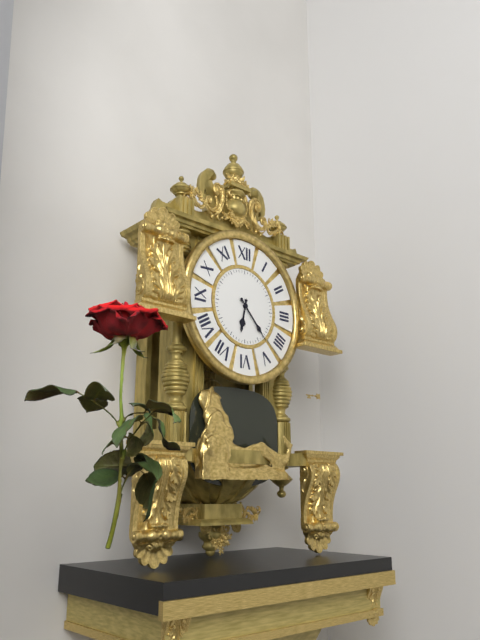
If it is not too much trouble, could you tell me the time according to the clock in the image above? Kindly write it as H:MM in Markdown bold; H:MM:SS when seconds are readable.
**6:23**
